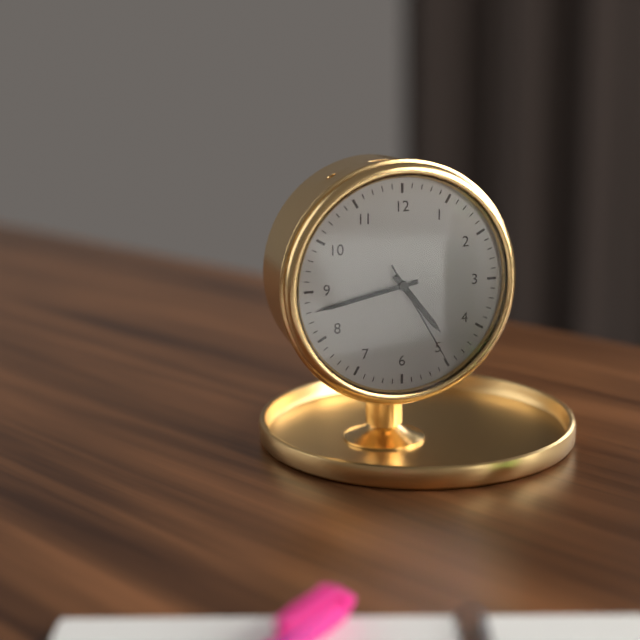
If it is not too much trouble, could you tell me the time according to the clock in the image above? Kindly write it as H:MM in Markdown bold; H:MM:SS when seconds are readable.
**4:43:25**
